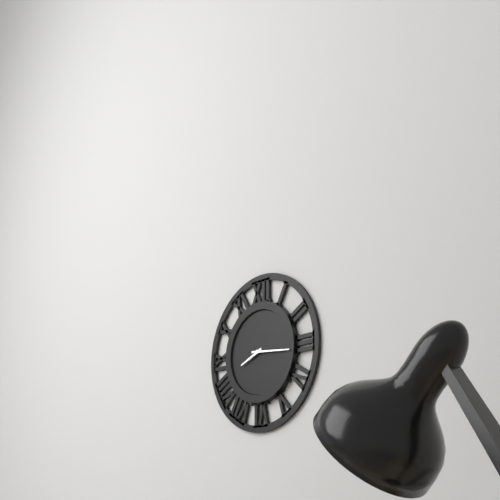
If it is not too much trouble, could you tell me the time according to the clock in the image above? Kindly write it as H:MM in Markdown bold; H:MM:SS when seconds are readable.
**8:16**
